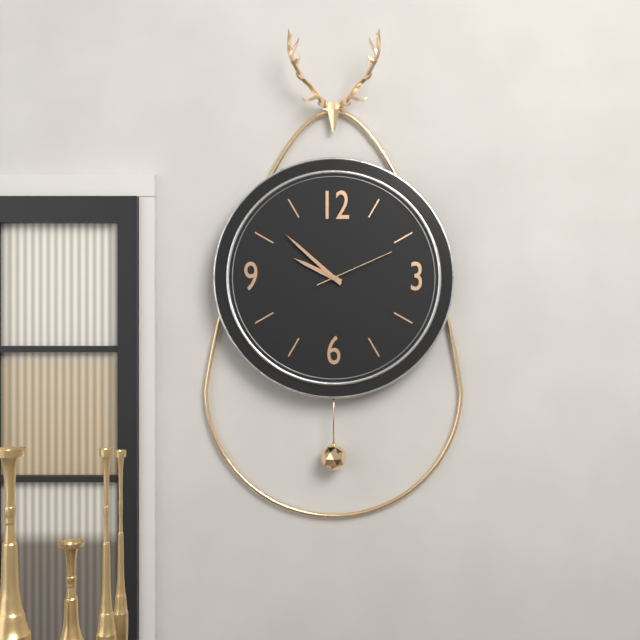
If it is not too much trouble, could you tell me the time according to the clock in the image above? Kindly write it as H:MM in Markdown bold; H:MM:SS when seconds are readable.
**9:52:11**
